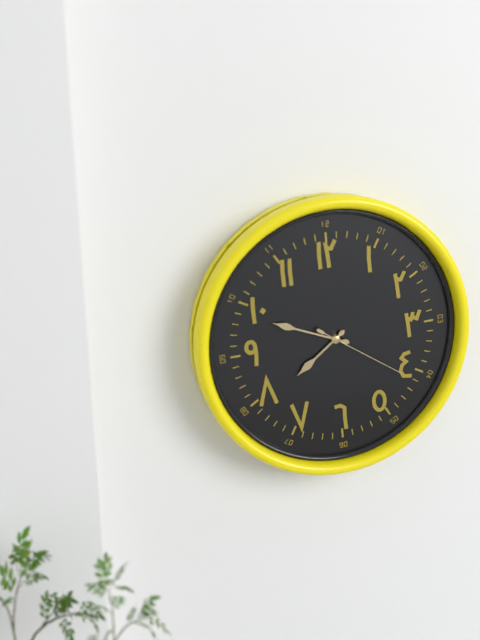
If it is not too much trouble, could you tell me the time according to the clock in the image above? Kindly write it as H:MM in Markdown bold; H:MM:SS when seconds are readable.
**7:49:21**
